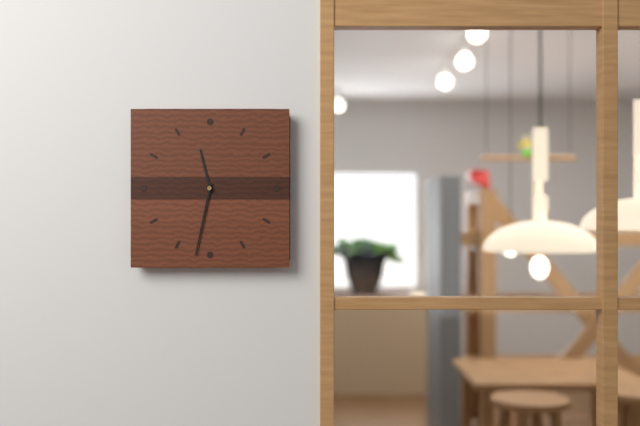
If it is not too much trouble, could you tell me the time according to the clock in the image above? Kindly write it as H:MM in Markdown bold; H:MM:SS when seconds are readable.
**11:32**
